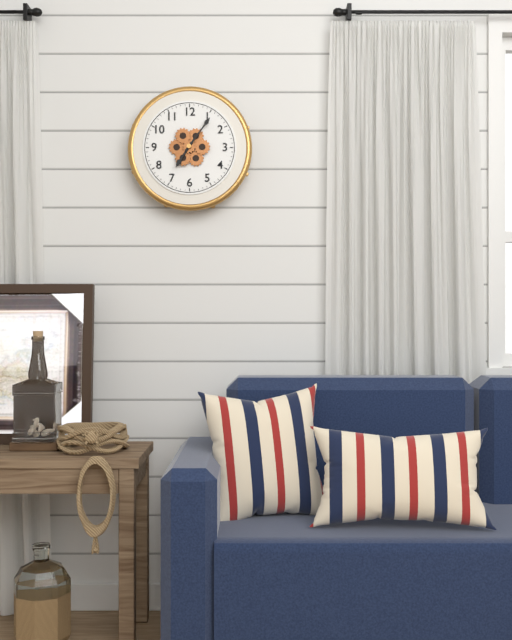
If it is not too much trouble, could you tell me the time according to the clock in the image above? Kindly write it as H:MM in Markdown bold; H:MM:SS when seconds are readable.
**7:06**
